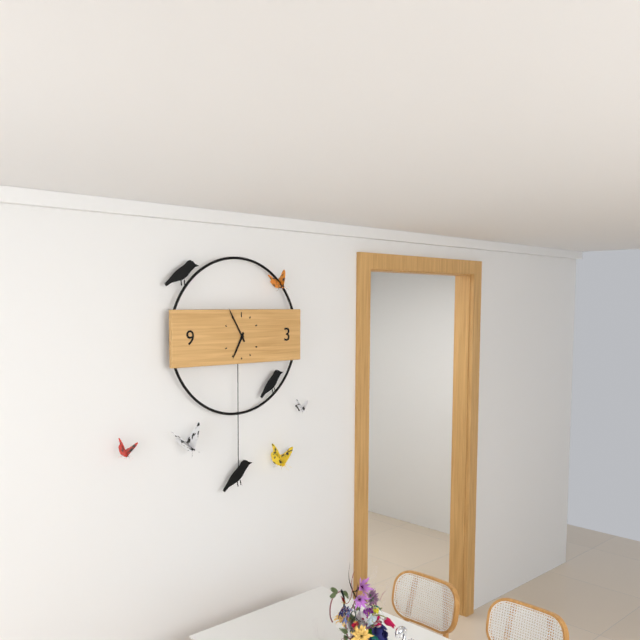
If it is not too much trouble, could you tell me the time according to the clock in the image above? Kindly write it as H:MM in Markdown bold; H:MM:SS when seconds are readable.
**6:55**
